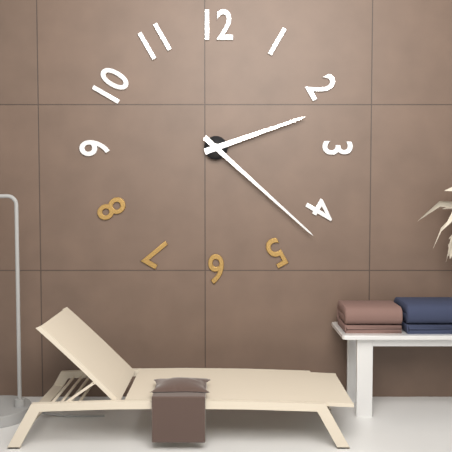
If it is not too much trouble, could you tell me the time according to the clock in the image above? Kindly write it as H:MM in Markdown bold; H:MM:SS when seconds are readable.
**2:22**
